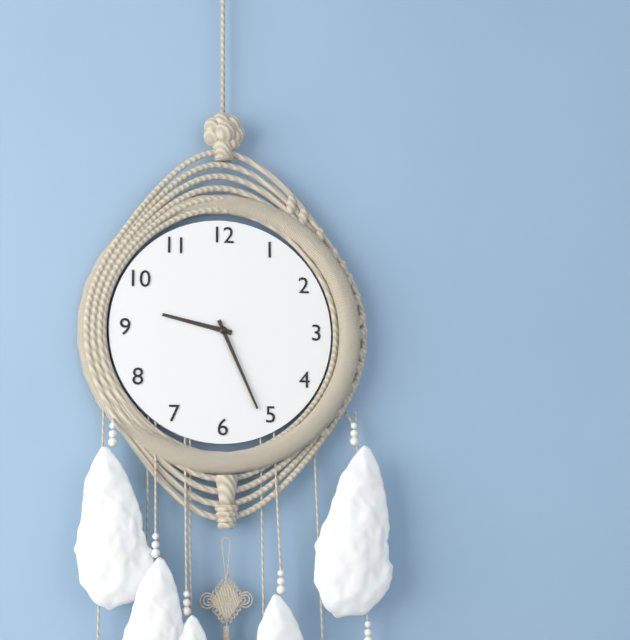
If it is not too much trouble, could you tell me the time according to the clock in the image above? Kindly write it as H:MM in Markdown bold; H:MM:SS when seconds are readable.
**9:26**
